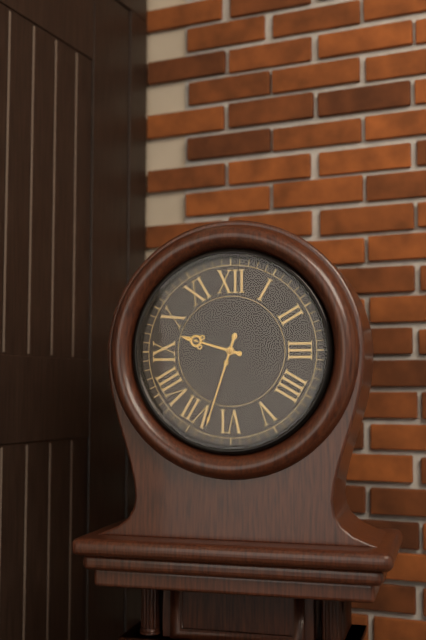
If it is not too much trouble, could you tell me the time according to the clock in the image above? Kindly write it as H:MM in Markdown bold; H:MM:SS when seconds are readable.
**9:33**
